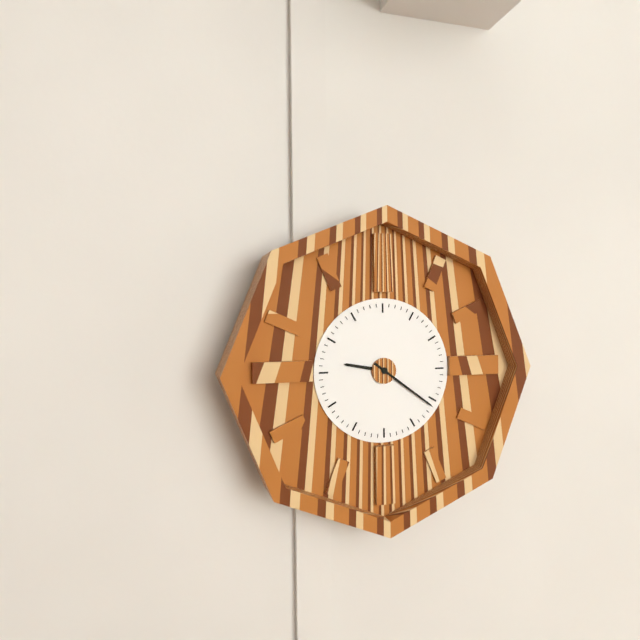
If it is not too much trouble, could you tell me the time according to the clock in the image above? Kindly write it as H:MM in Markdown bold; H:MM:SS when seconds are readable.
**9:21**
